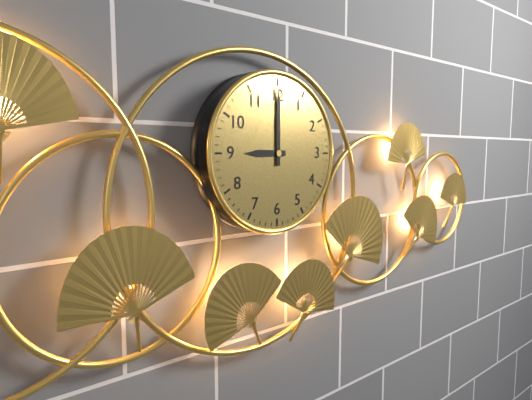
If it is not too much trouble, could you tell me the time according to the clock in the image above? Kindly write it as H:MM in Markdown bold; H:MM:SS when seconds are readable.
**9:00**
